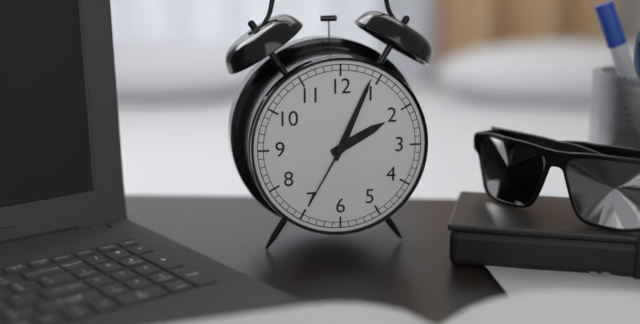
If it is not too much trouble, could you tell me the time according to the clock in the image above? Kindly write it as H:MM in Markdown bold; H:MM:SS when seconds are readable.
**2:04:35**
